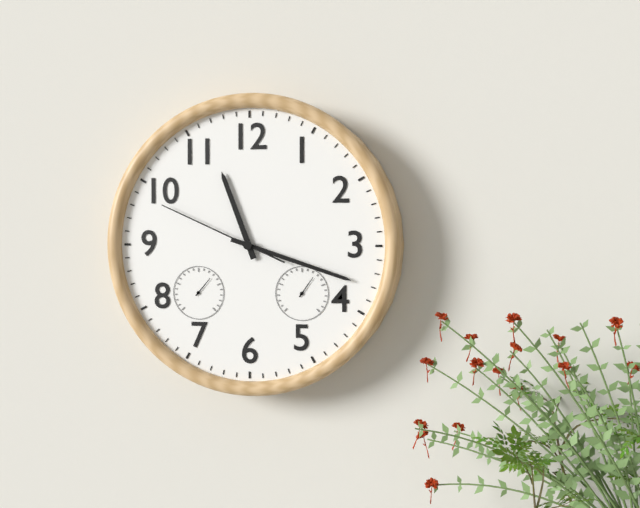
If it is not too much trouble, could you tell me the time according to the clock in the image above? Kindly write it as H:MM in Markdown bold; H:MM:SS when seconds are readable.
**11:18:49**
